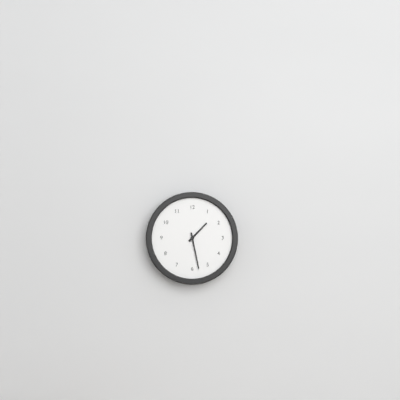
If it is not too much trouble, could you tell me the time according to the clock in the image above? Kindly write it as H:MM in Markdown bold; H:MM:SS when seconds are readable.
**1:28**
